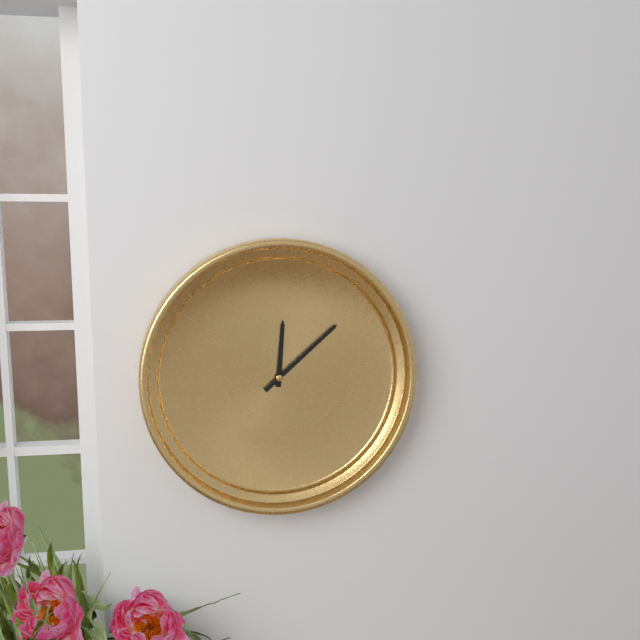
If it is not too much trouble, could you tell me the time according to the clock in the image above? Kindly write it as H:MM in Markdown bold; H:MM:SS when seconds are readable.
**12:08**
